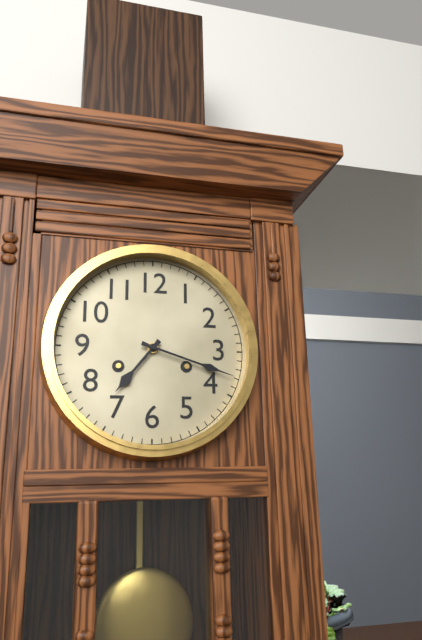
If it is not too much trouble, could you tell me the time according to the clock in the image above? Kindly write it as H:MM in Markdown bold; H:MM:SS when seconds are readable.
**7:18**
